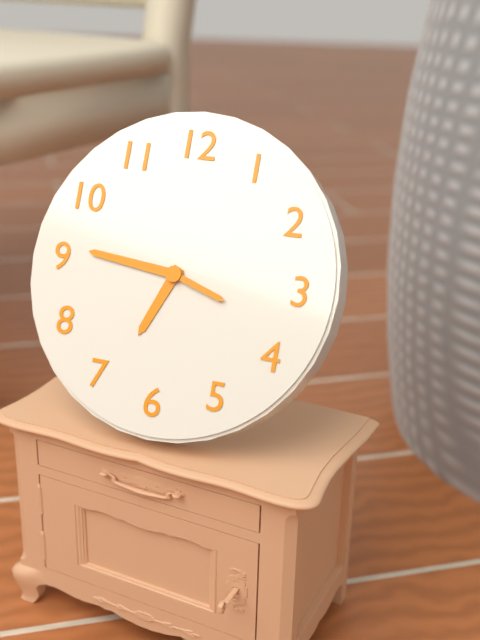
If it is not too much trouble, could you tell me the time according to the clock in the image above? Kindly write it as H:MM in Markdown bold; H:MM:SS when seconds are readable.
**6:46:18**
